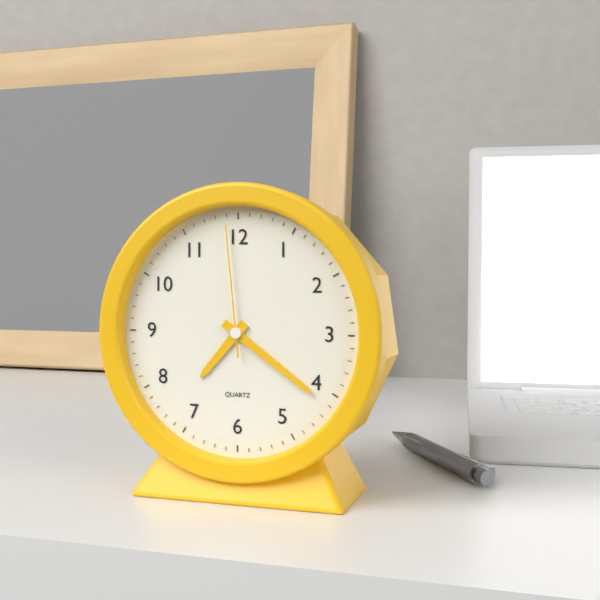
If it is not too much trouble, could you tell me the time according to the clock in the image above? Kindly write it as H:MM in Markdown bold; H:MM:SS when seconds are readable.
**7:21:59**
